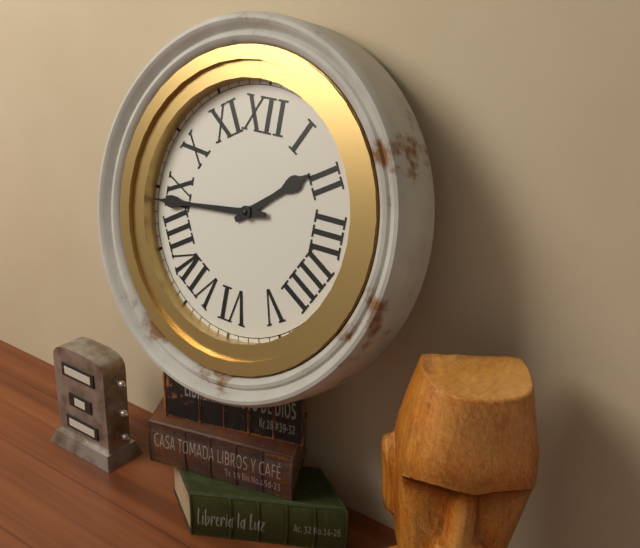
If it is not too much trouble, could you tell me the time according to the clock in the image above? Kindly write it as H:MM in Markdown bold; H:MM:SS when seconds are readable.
**1:44**
